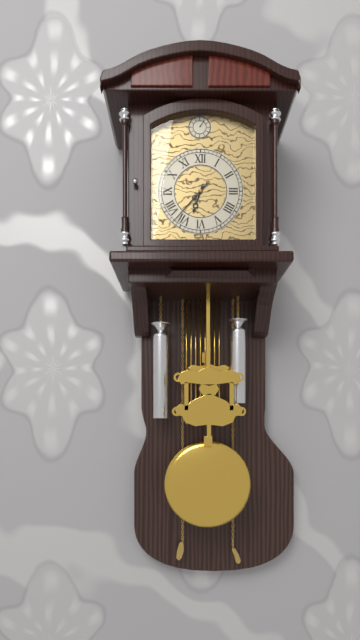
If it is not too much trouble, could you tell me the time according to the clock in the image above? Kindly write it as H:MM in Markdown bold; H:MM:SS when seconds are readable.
**6:37**
